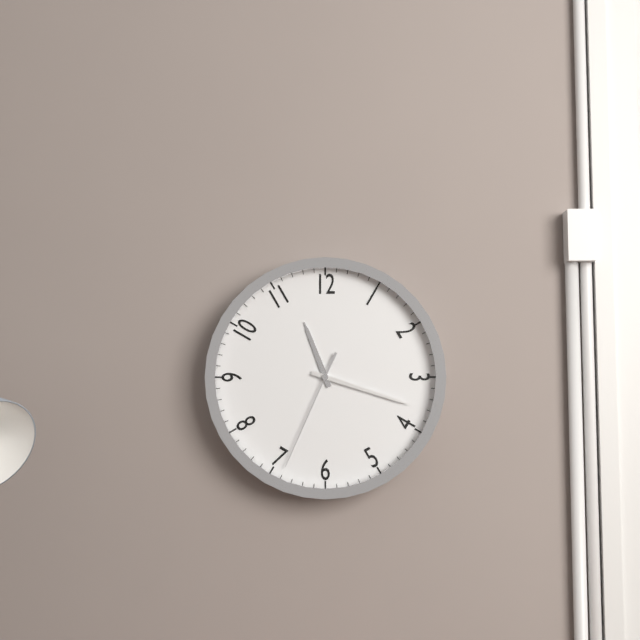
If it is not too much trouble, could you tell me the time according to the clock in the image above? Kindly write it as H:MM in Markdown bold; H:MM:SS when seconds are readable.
**11:18:34**
